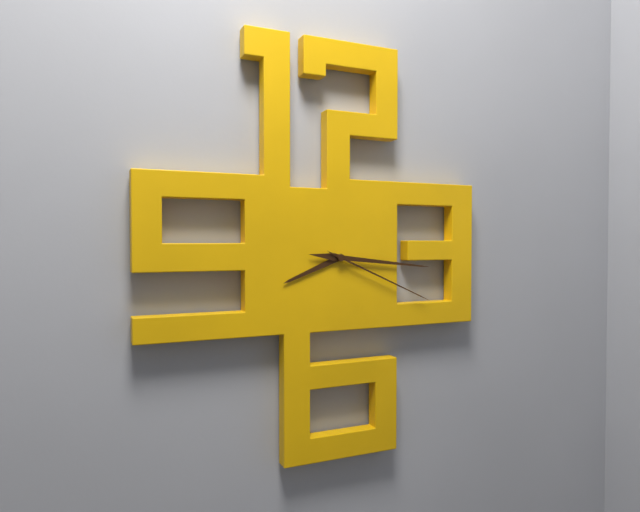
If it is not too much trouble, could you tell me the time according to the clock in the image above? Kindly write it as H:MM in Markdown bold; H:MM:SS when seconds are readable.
**8:16:19**
